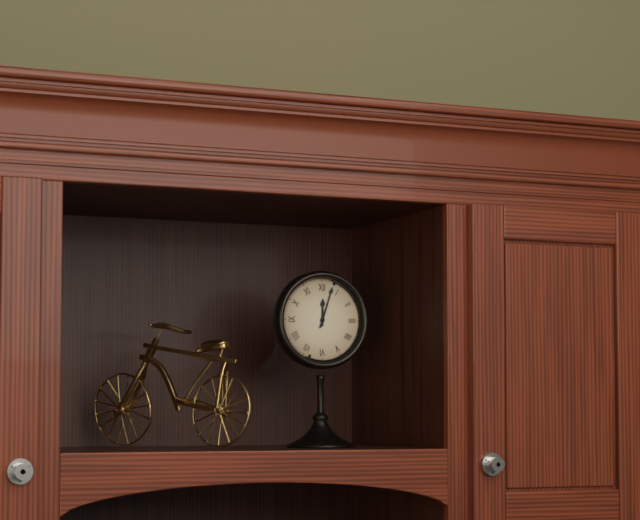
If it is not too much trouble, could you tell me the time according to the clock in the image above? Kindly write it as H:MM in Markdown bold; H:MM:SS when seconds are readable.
**12:03**
